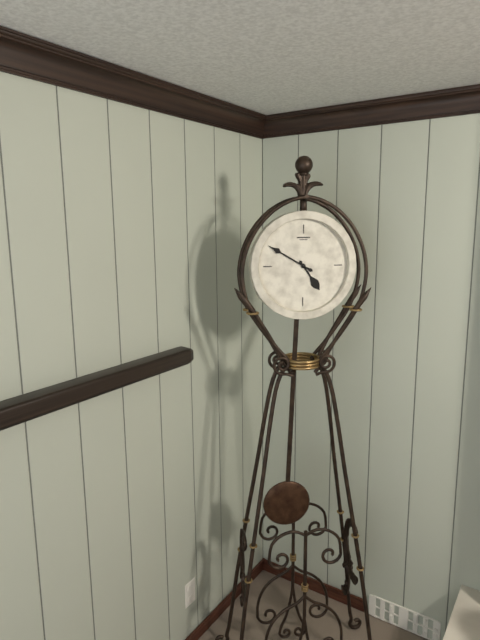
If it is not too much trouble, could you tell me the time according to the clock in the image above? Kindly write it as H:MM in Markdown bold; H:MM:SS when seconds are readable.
**4:50**
